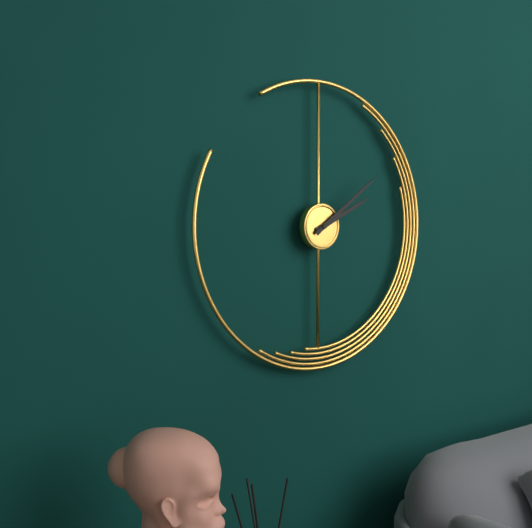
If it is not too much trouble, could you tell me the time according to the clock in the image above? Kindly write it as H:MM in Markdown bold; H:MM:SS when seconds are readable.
**2:09**
